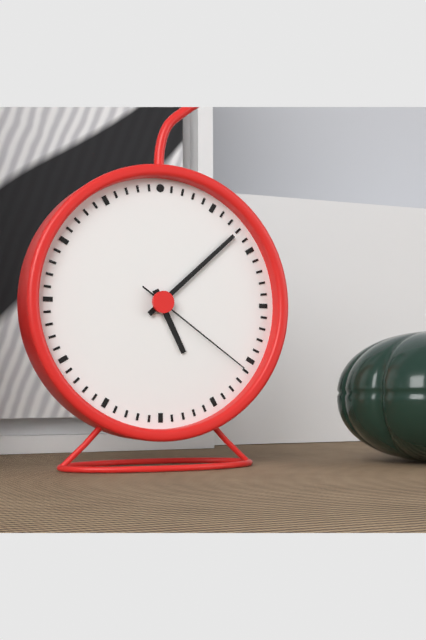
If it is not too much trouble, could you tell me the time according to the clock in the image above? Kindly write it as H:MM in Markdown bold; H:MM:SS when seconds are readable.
**5:08:21**
